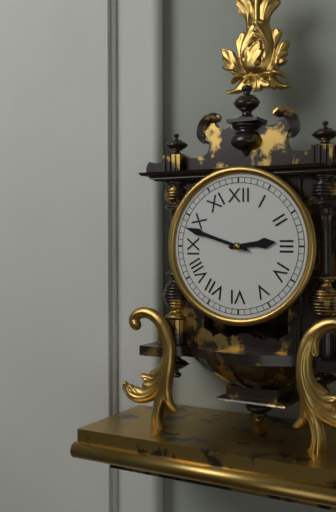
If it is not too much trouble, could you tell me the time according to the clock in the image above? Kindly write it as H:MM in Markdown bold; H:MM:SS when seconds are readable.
**2:48**
